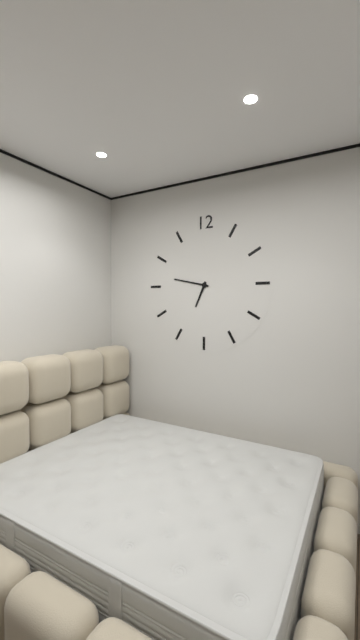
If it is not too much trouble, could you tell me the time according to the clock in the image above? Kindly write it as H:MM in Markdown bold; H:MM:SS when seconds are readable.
**6:47**
